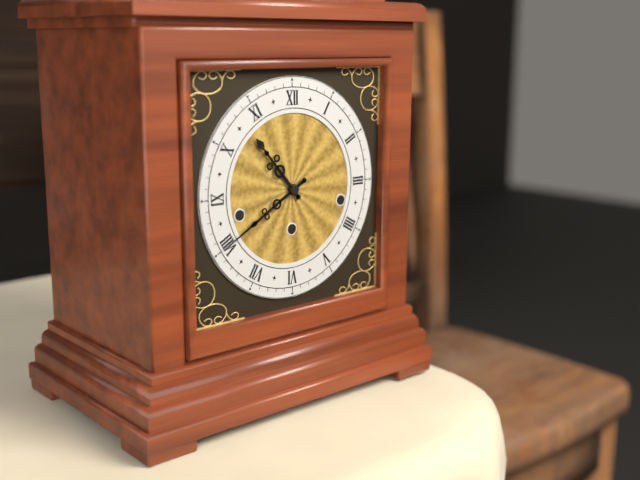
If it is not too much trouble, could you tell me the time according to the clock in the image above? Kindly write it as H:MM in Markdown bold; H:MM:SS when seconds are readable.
**10:40**
